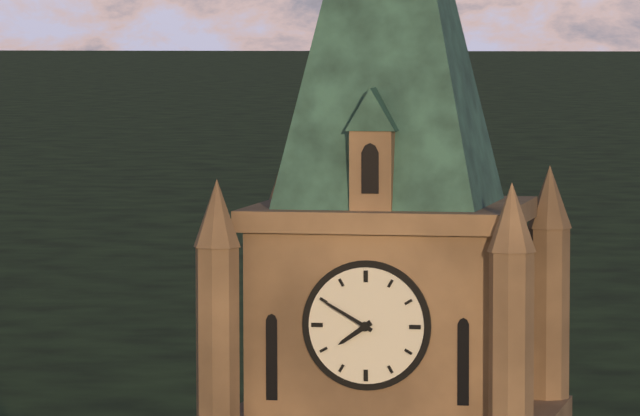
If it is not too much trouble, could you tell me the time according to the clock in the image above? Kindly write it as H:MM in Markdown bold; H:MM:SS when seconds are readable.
**7:50**
